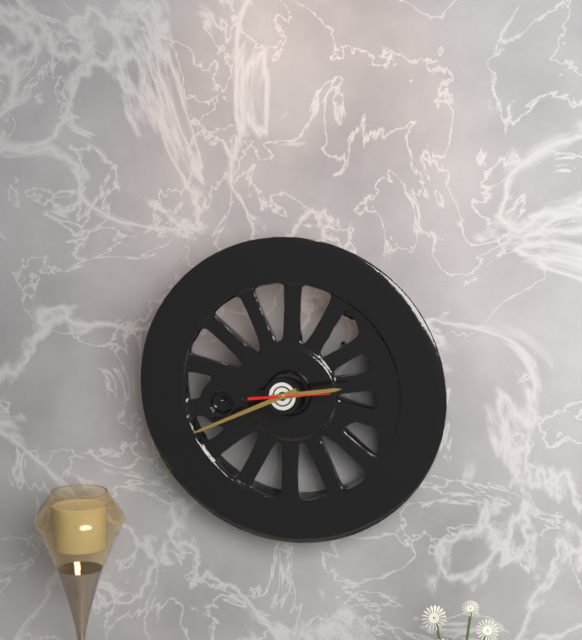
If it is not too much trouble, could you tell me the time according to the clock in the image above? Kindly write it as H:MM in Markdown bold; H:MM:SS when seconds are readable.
**2:41:14**
